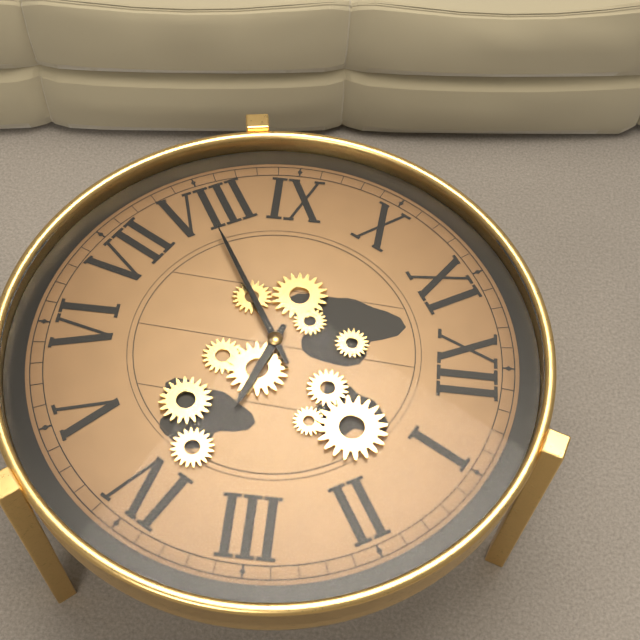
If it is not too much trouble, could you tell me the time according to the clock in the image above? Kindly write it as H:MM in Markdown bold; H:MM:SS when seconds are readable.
**3:40**
